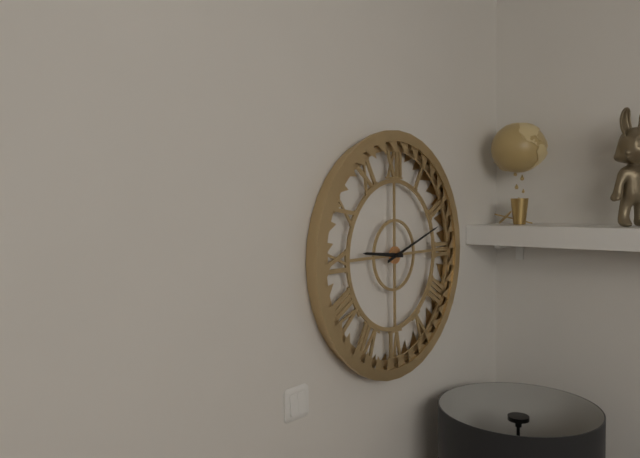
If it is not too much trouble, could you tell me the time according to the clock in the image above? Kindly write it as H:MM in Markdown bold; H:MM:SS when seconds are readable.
**9:12**
